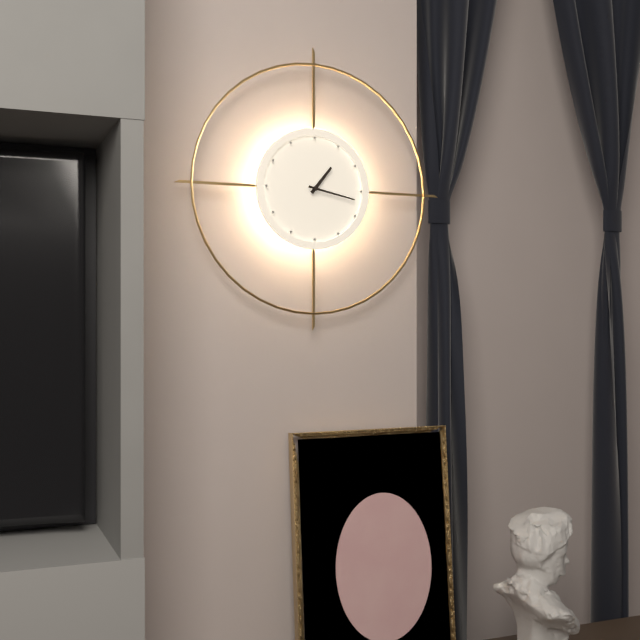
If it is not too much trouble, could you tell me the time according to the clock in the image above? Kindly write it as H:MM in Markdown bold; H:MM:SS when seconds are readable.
**1:17**
